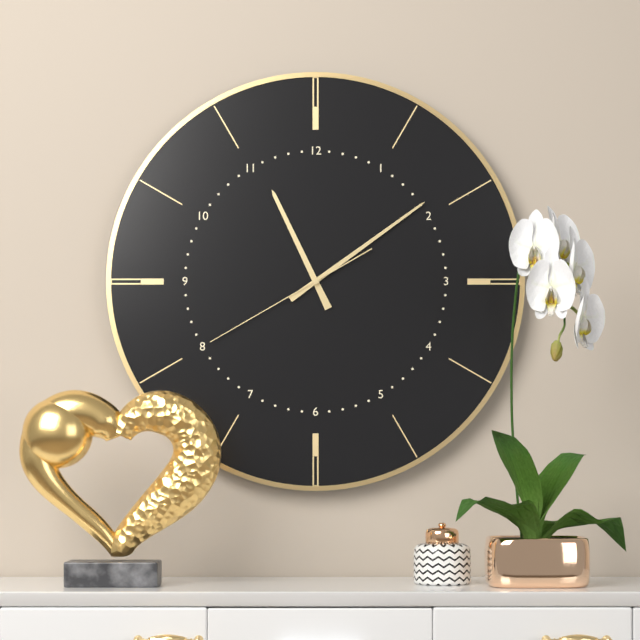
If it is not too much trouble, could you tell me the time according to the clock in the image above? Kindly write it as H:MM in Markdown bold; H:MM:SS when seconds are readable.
**11:09:40**
